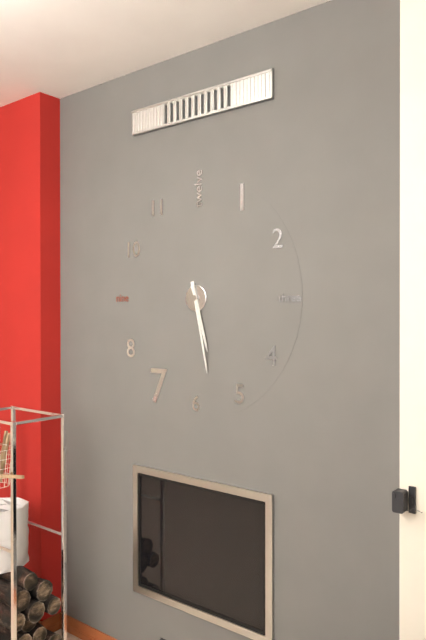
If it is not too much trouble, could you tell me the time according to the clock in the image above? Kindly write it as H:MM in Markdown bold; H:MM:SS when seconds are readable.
**5:28**
